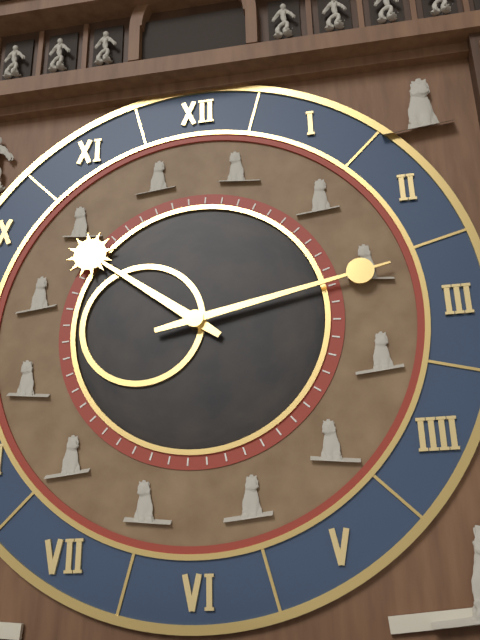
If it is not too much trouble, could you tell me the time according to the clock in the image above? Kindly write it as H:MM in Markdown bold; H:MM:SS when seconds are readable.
**10:13**
